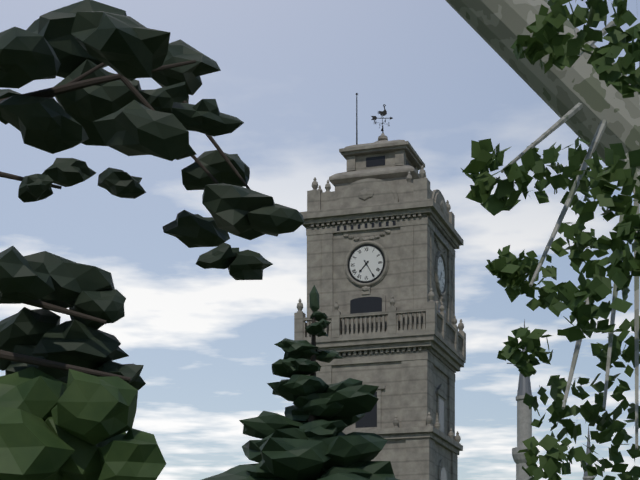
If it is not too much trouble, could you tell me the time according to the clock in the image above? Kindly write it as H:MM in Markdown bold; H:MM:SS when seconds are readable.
**7:25**
